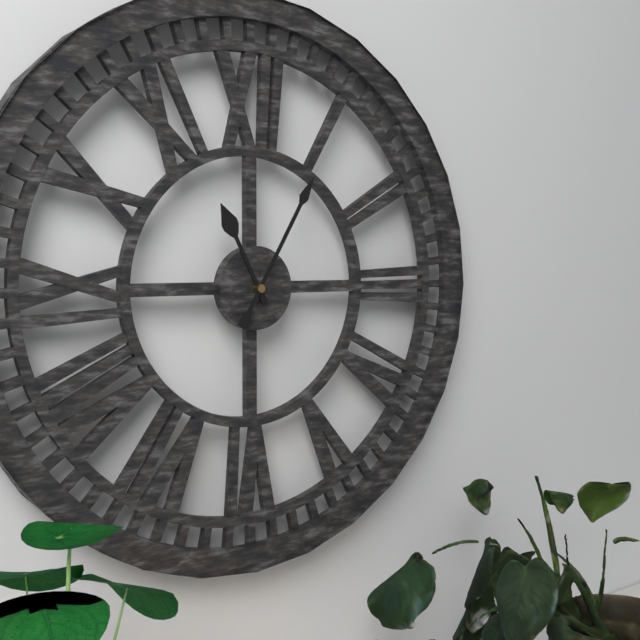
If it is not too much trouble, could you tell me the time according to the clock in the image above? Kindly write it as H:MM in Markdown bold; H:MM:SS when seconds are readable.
**11:05**
